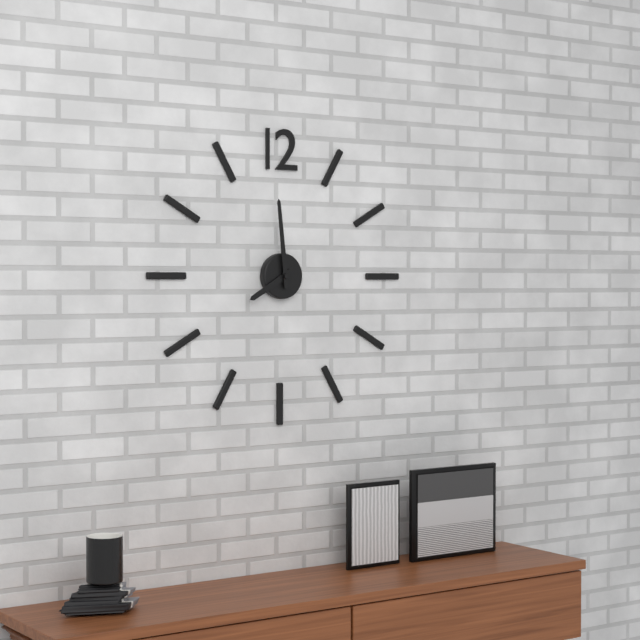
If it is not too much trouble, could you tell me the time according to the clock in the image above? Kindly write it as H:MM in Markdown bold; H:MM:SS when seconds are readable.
**7:59**
